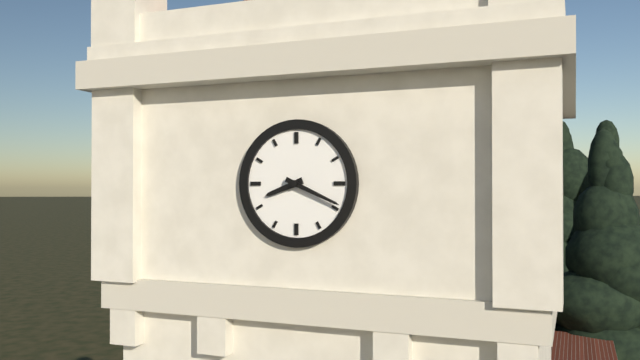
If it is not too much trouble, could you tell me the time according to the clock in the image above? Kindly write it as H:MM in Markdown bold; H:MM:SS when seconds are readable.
**8:19**
